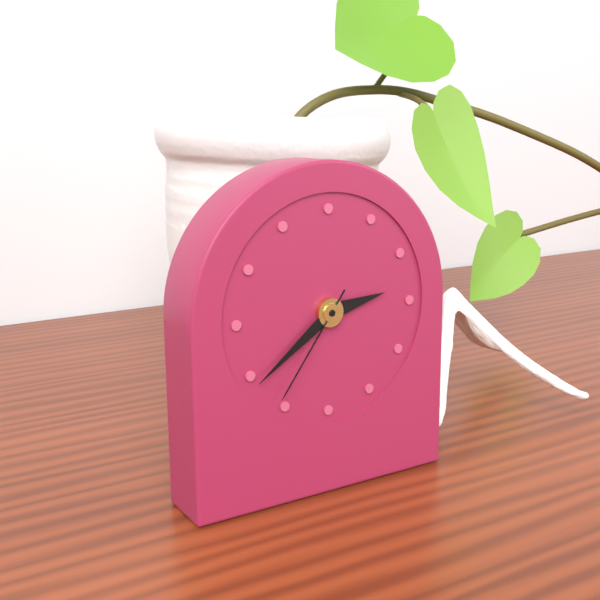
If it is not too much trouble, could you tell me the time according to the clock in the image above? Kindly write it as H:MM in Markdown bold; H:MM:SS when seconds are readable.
**2:39:36**
